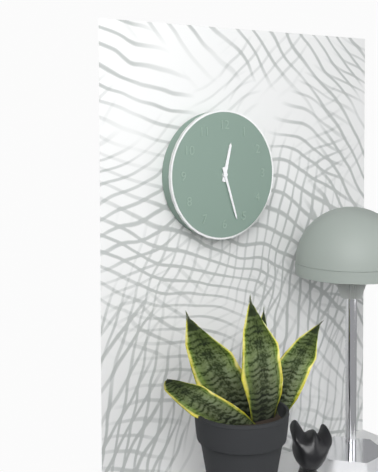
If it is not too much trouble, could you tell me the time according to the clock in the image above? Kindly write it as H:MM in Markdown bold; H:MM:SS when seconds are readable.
**12:27**
